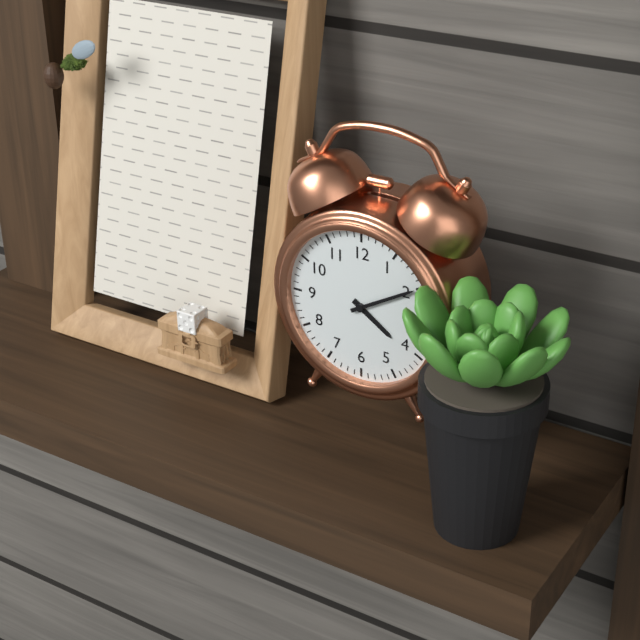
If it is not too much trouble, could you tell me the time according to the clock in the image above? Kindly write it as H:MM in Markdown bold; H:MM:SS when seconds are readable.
**4:10**
